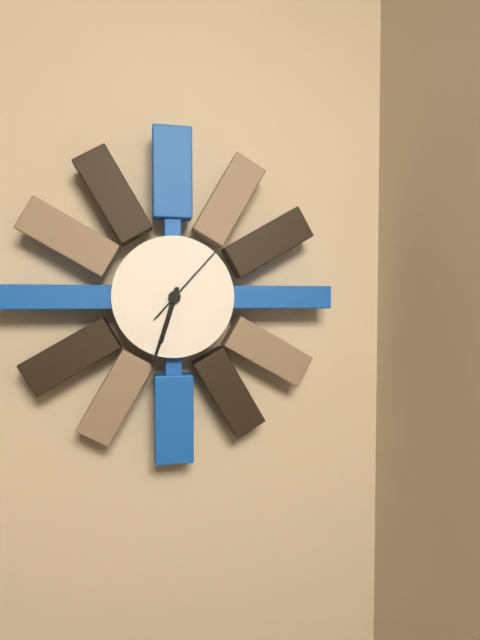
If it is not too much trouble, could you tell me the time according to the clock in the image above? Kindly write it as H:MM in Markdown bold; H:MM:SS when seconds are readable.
**6:33:07**
